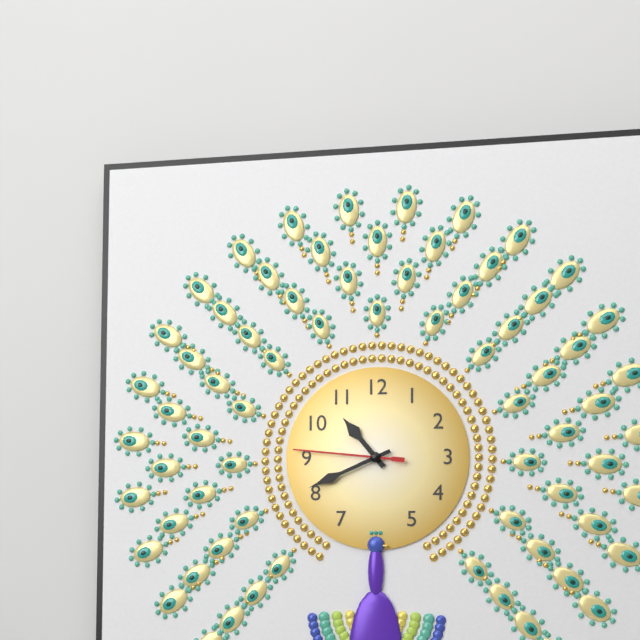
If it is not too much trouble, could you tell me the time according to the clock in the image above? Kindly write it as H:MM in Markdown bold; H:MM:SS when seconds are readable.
**10:41:46**
